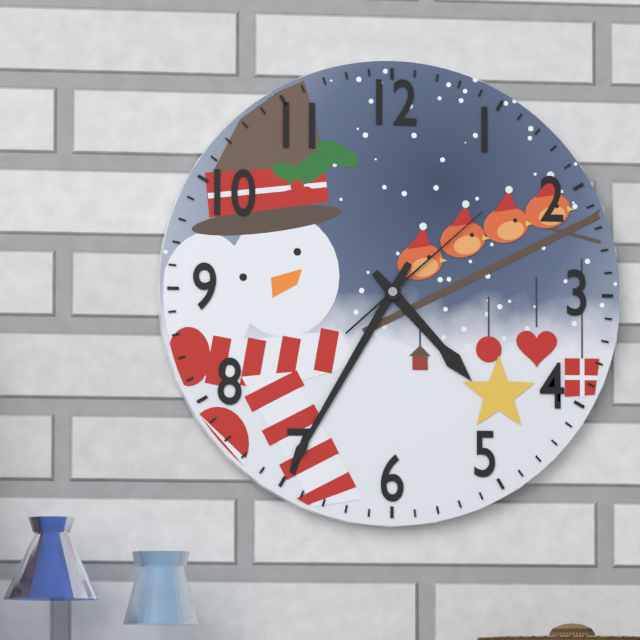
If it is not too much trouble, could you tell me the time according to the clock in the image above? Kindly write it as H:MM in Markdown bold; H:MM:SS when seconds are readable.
**4:35:08**
